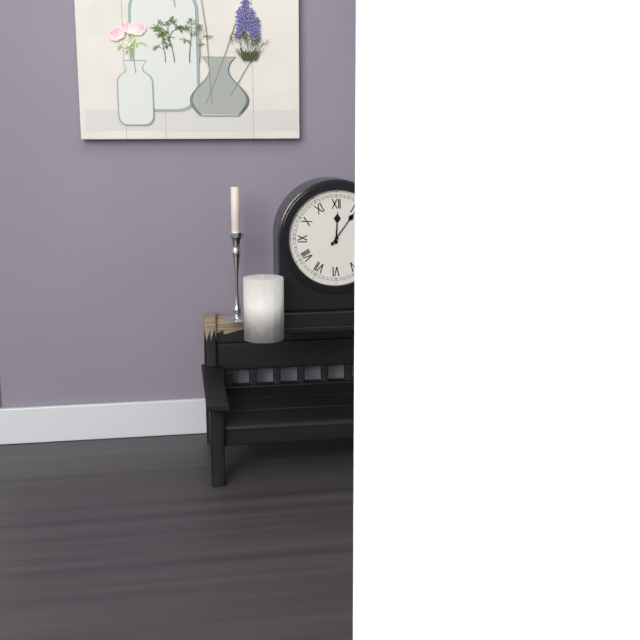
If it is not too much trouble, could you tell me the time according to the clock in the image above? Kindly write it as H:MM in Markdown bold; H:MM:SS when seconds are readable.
**12:06**
